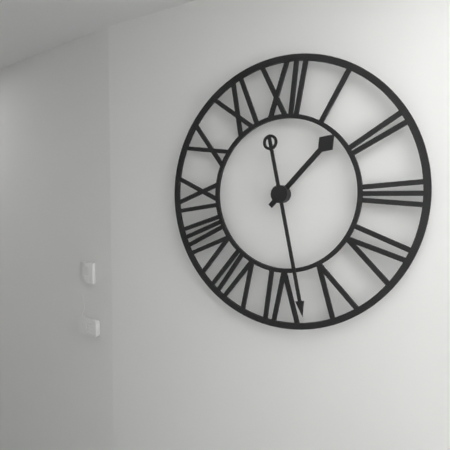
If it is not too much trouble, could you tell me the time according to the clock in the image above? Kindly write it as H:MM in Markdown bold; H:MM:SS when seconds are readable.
**1:28**
